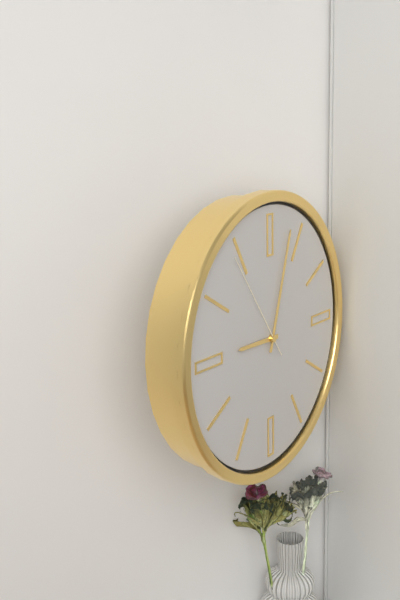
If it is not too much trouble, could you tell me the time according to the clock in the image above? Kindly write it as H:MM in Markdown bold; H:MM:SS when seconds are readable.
**9:03:54**
